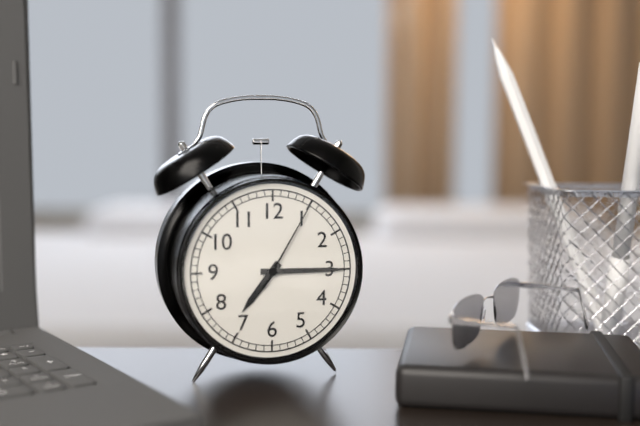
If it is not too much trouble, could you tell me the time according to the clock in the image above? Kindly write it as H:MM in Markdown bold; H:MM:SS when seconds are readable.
**7:15:05**
